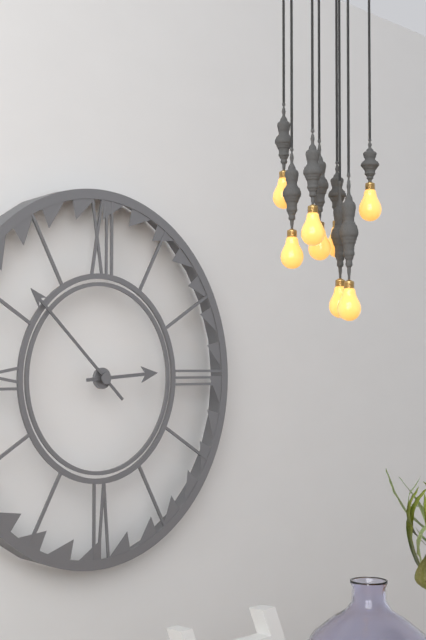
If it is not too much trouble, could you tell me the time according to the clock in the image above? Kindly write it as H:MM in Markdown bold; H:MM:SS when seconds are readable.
**2:52**
